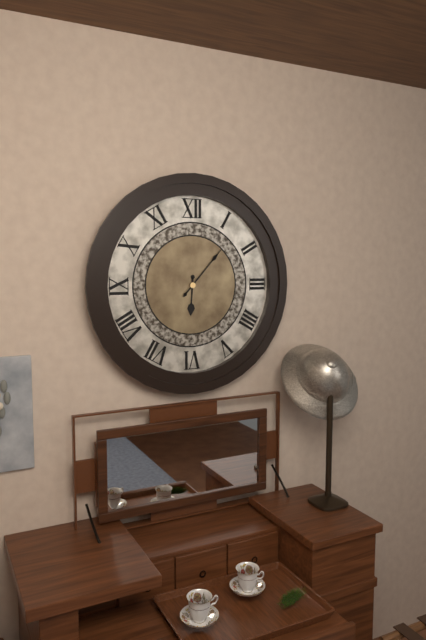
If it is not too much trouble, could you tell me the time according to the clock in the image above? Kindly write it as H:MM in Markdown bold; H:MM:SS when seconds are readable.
**6:07**
